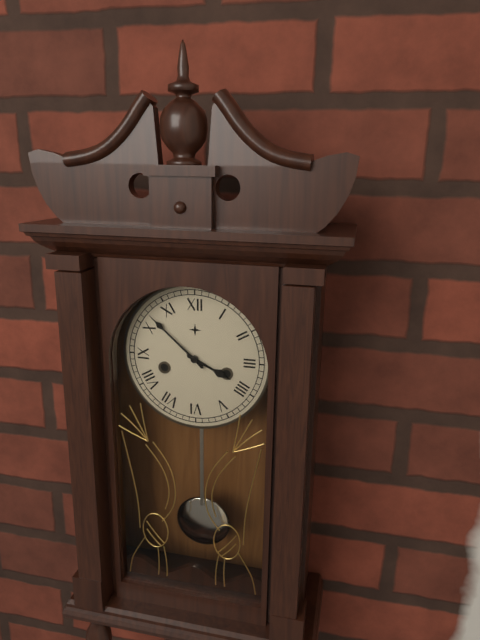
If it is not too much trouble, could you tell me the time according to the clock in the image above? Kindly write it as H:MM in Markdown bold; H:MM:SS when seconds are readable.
**3:52**
